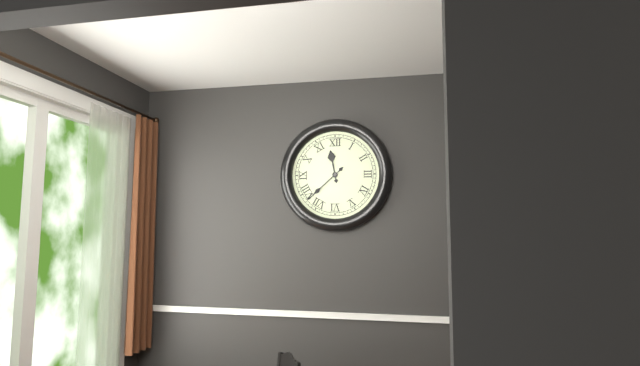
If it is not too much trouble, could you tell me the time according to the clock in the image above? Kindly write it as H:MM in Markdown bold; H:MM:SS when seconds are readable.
**11:38**
